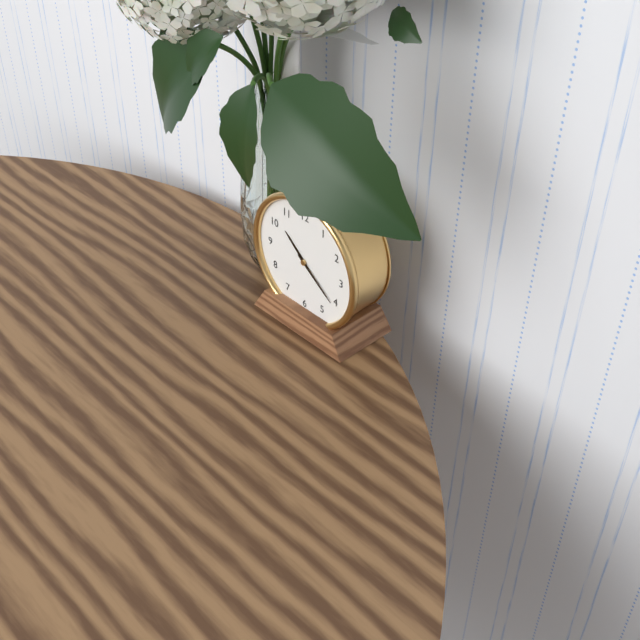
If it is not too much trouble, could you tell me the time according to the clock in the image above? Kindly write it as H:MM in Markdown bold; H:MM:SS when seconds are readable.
**10:21**
